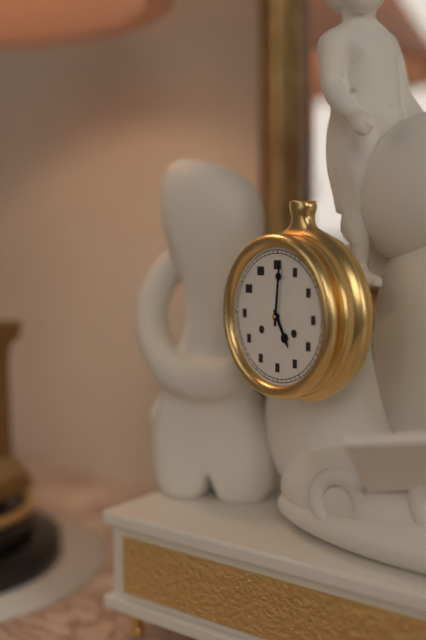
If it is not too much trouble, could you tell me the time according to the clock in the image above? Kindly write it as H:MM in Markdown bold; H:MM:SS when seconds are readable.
**5:01**
